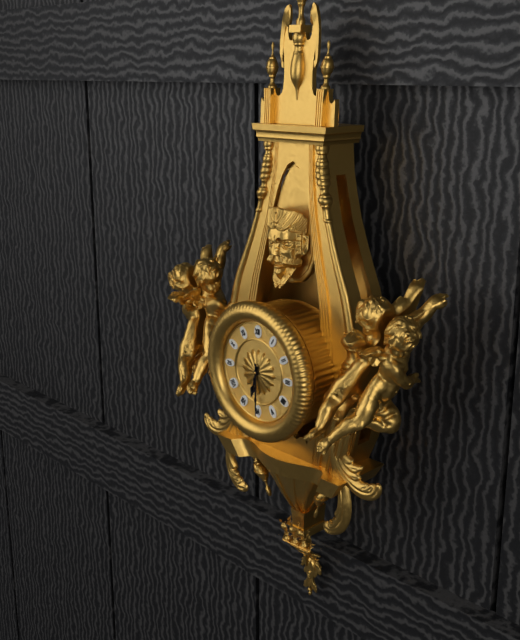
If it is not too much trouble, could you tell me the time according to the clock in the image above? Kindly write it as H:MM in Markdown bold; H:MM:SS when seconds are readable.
**6:30**
